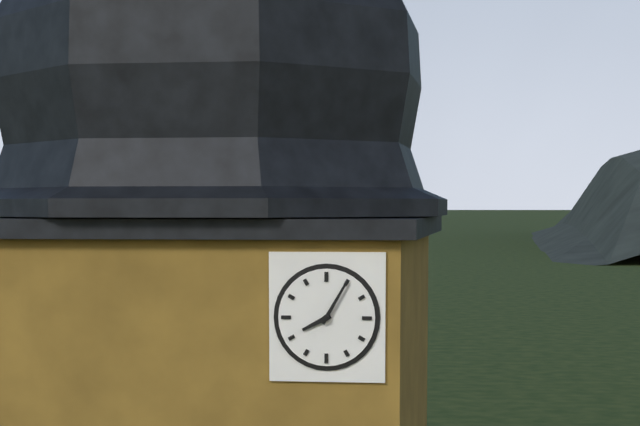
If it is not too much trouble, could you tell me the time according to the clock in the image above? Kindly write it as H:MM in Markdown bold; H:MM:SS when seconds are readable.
**8:05**
